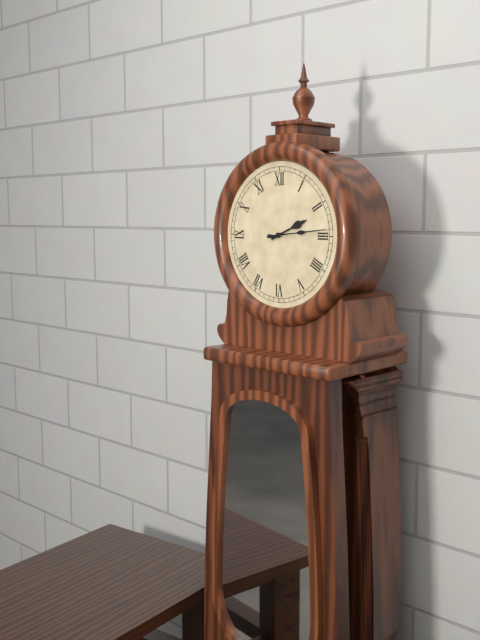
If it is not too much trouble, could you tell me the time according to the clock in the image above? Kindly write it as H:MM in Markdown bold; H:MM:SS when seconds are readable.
**2:14**
